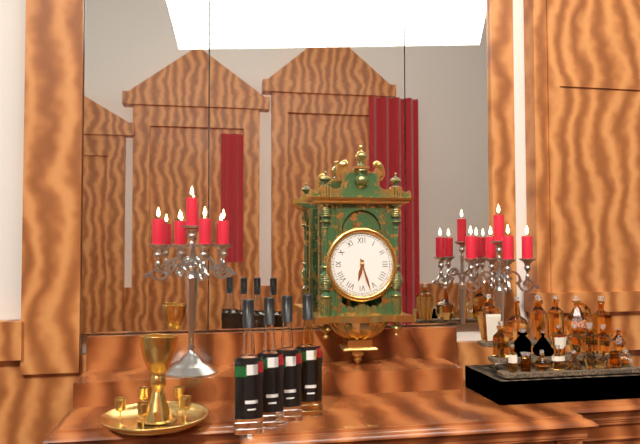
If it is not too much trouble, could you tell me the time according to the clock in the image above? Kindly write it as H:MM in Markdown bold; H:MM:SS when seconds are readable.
**6:27**
